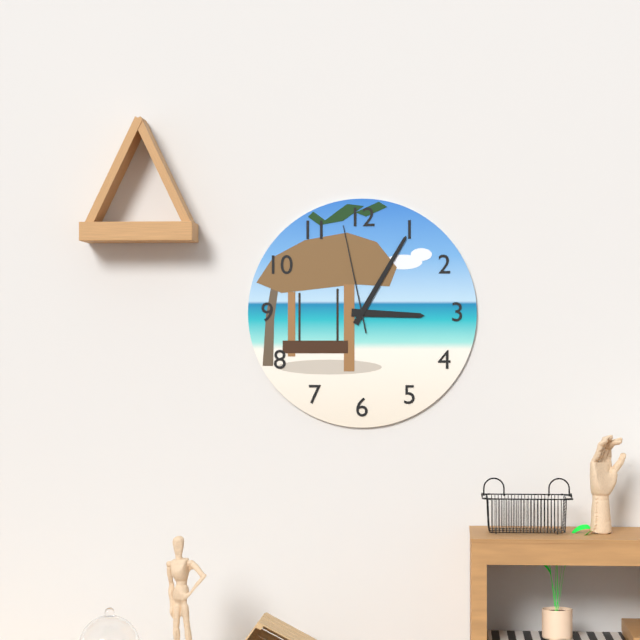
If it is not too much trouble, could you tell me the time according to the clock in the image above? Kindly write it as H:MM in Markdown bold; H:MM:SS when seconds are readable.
**3:05:58**
